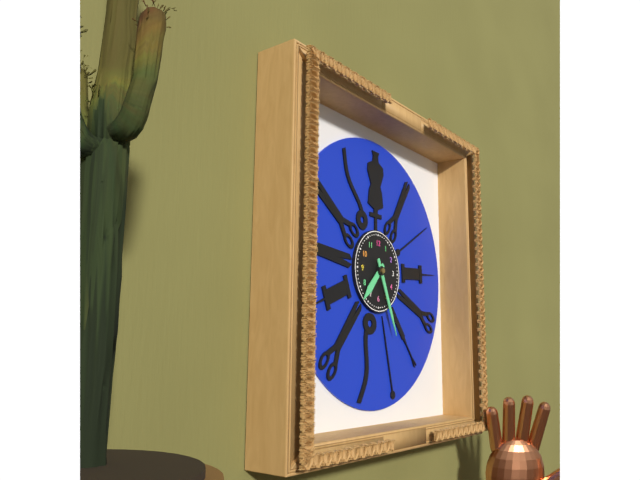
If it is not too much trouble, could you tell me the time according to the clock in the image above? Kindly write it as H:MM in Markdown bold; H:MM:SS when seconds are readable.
**7:26**
